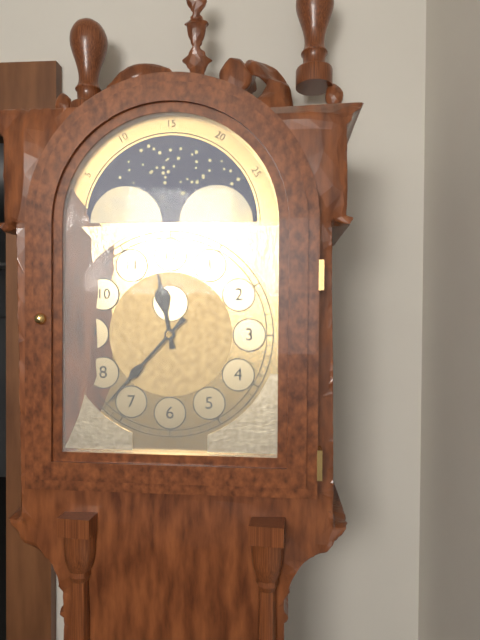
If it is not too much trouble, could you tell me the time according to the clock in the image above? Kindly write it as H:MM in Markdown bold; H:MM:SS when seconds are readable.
**11:37**
